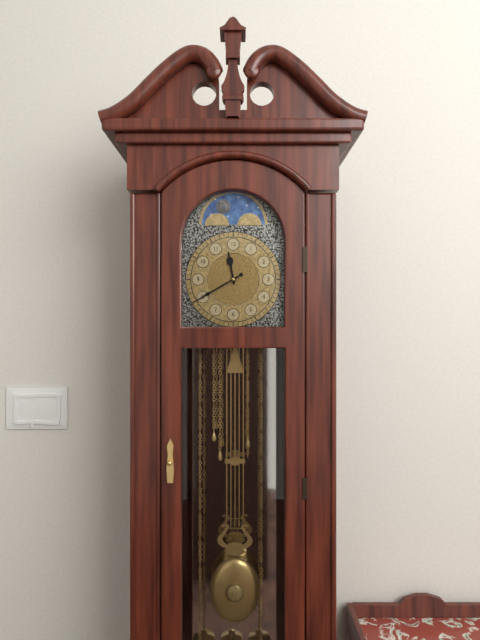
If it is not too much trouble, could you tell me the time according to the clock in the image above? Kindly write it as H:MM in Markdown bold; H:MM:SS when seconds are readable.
**11:40**
